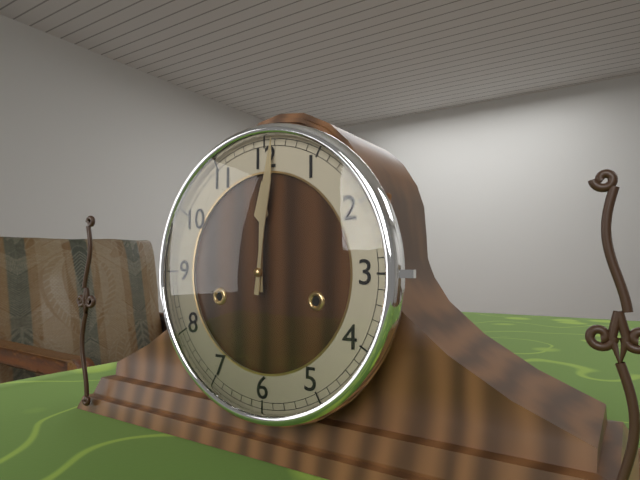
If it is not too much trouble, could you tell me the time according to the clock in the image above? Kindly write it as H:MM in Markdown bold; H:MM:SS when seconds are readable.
**12:01**
